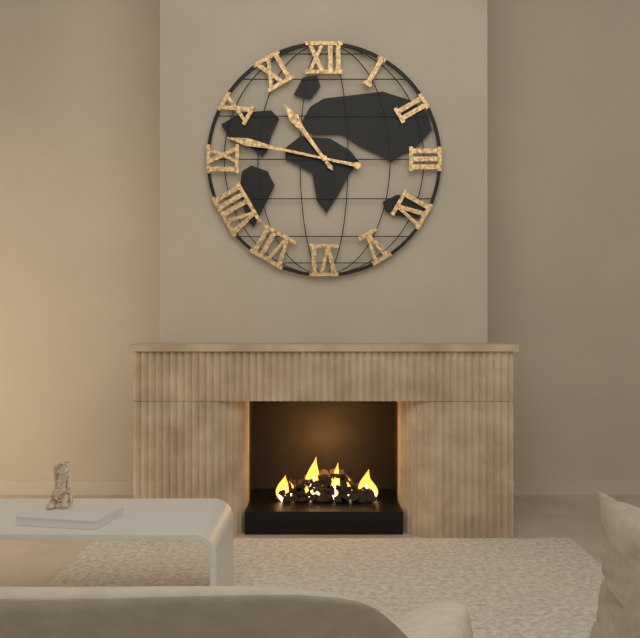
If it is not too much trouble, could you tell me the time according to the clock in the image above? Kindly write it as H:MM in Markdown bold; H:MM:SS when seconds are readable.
**10:47**
